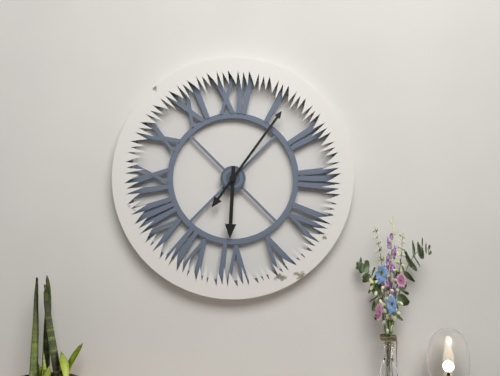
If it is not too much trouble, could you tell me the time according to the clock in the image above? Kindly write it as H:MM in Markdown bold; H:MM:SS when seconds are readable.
**6:06**
